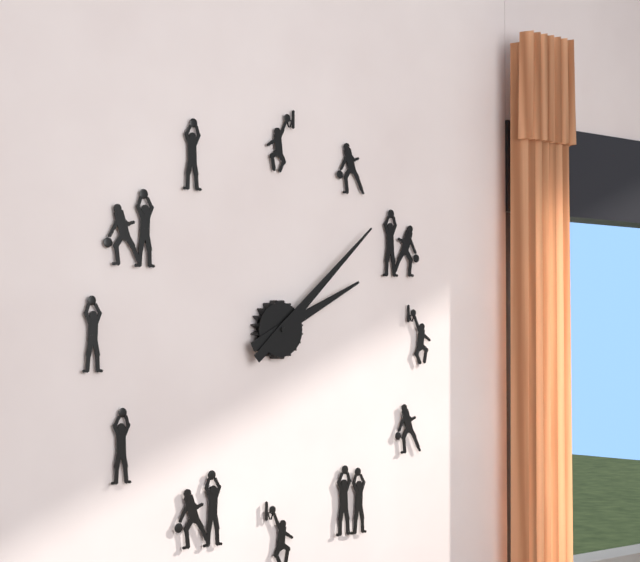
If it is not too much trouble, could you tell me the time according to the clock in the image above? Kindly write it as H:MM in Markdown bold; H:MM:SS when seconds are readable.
**2:08**
